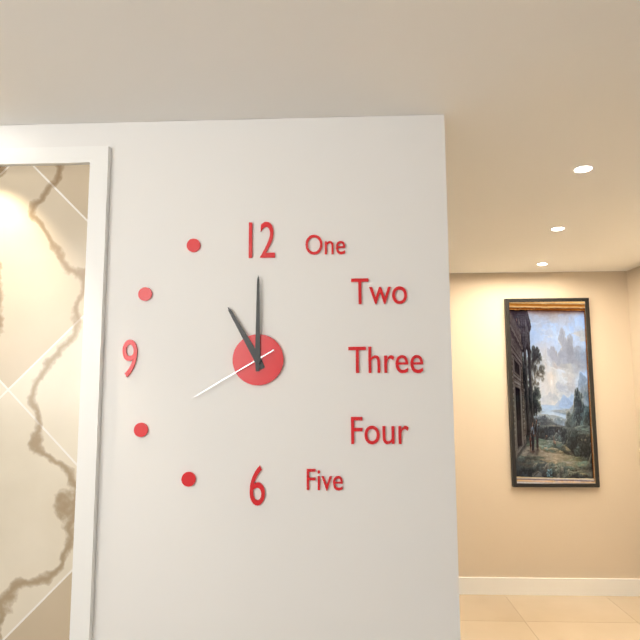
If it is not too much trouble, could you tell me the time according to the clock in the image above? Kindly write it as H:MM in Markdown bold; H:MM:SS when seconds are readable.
**11:00:40**
